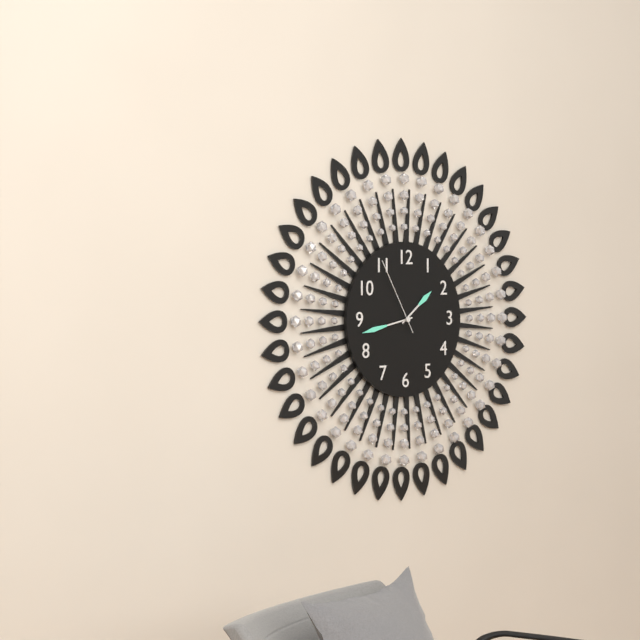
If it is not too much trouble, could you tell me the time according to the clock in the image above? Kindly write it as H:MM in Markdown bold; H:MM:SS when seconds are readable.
**1:43:55**
